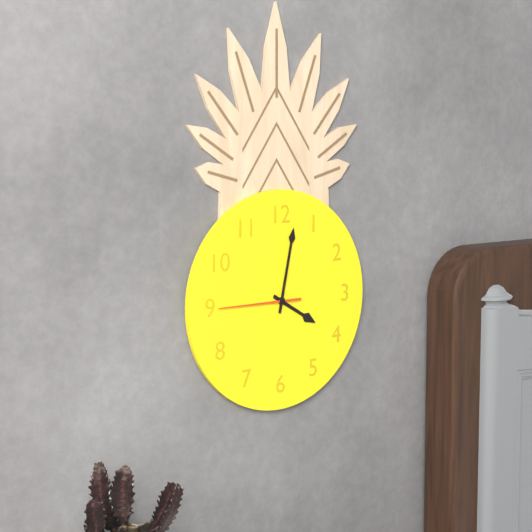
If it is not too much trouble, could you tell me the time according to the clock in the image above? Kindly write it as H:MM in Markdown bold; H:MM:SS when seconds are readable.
**4:02:45**
